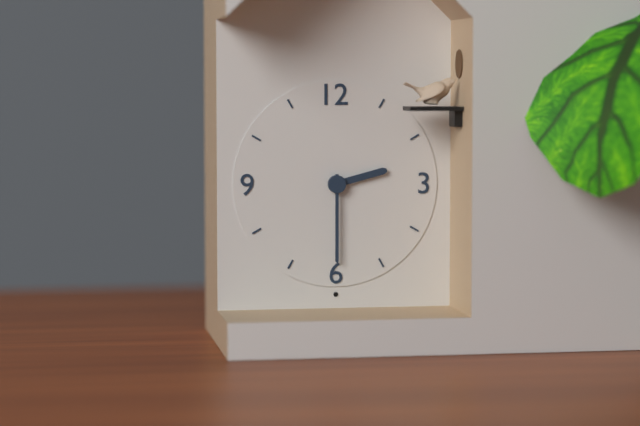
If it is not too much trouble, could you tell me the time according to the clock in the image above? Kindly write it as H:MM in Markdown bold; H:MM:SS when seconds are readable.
**2:30**
